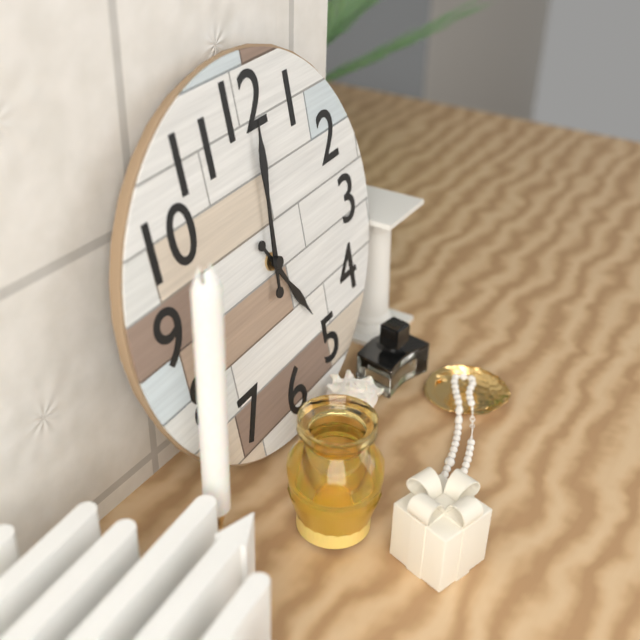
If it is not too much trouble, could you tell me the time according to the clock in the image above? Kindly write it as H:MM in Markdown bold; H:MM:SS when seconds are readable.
**5:01**
